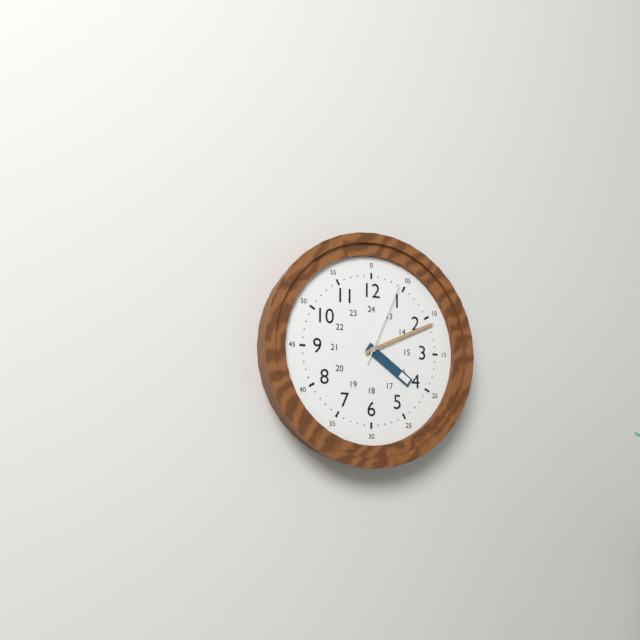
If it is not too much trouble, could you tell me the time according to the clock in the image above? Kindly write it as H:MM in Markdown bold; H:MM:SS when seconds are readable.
**4:11:04**
